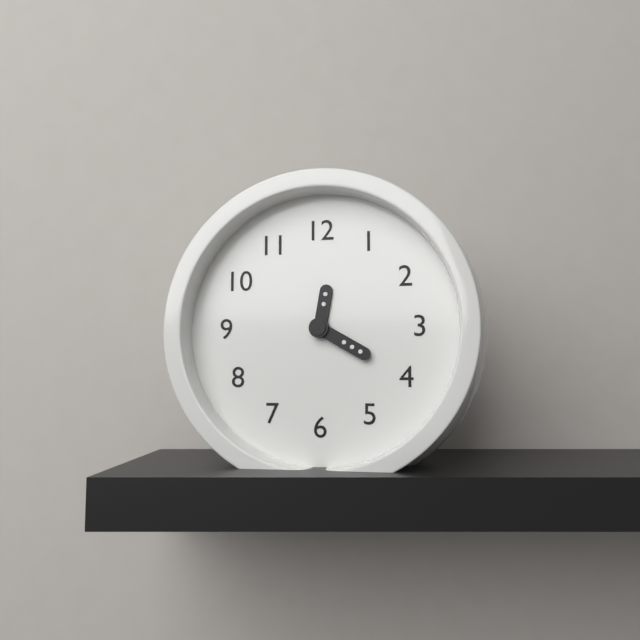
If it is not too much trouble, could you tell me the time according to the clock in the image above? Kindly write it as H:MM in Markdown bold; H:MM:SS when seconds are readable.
**12:20**
